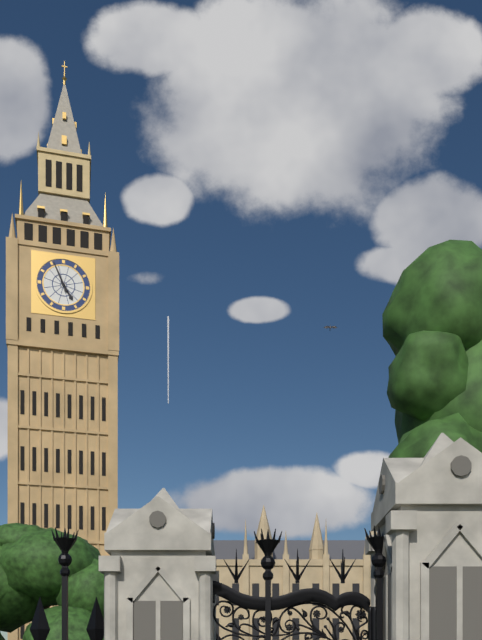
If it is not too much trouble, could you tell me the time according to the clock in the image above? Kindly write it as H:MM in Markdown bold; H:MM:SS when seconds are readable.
**4:56**
